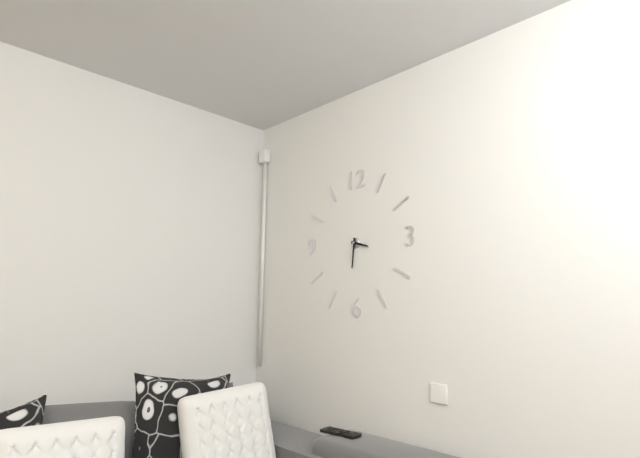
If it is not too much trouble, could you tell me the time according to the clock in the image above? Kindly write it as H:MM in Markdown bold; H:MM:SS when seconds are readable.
**3:31**
